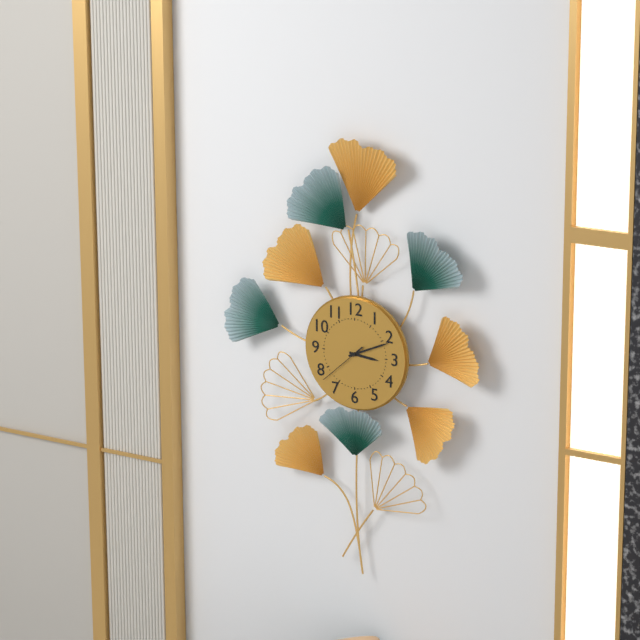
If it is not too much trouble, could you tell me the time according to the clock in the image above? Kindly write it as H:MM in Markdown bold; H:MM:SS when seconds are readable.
**3:11:38**
